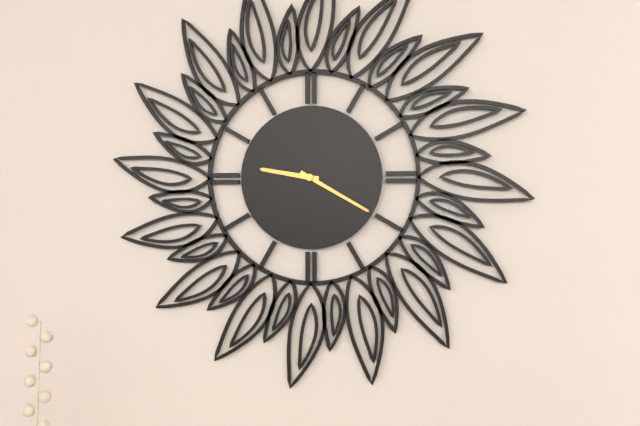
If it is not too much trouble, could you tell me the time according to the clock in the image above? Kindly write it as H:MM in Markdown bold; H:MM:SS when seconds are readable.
**9:20**
